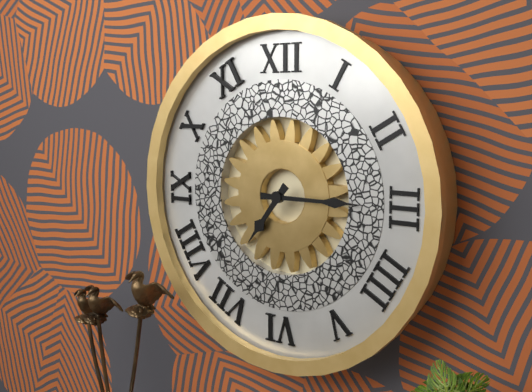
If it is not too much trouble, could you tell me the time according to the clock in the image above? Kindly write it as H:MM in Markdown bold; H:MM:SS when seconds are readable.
**7:15**
